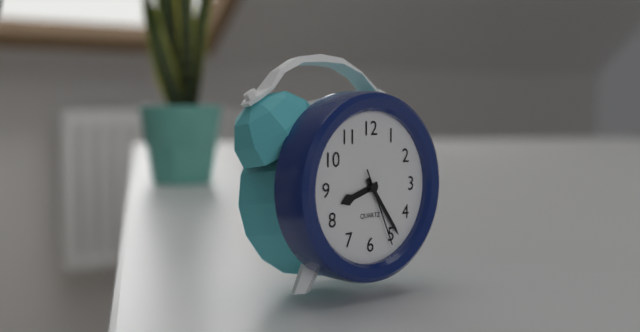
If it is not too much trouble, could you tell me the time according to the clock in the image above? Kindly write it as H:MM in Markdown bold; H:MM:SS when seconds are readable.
**8:24:26**
